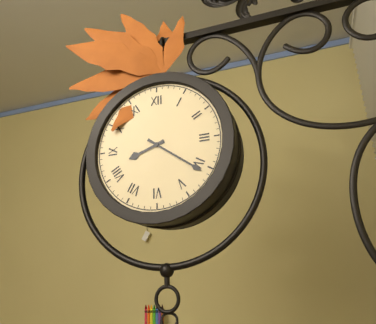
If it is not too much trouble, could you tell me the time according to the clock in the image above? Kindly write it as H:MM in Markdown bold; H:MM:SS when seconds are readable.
**8:21**
